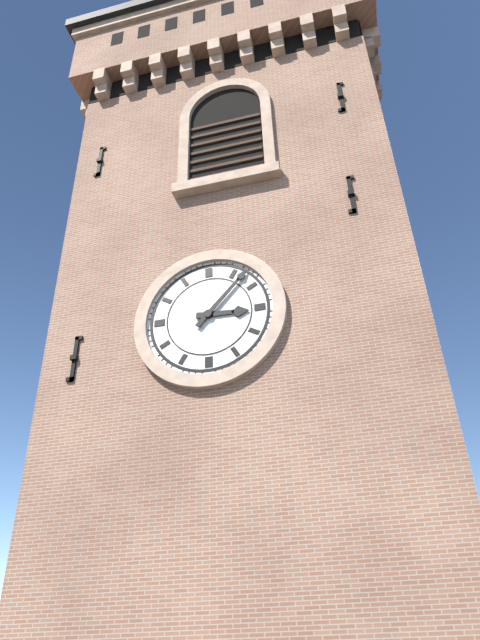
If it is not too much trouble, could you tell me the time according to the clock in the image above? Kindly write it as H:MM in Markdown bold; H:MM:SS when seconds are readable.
**3:07**
